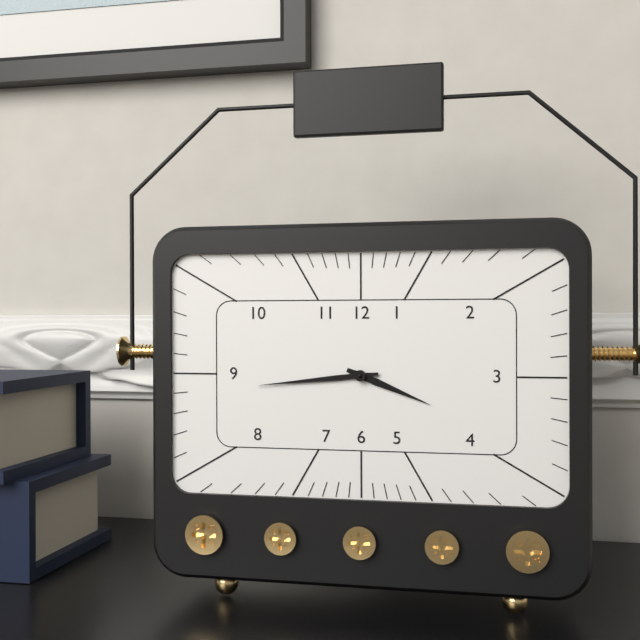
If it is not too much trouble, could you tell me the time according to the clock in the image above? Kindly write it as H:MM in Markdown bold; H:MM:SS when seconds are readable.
**3:44**
